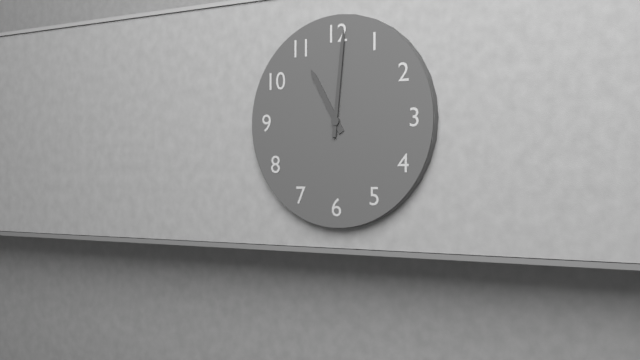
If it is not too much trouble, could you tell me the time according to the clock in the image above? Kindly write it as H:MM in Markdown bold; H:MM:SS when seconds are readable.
**11:01**
